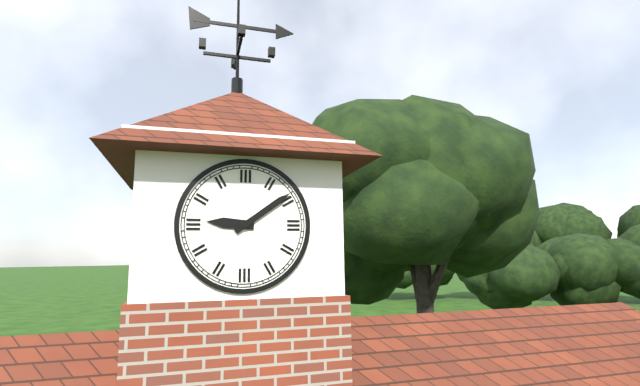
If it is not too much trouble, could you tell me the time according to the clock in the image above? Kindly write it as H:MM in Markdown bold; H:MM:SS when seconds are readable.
**9:09**
